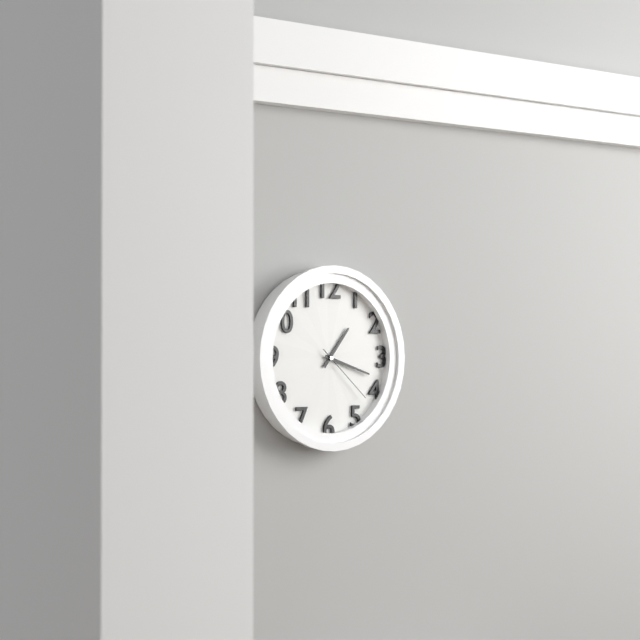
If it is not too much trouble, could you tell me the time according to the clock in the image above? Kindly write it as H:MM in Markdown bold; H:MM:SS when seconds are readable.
**1:18:22**
